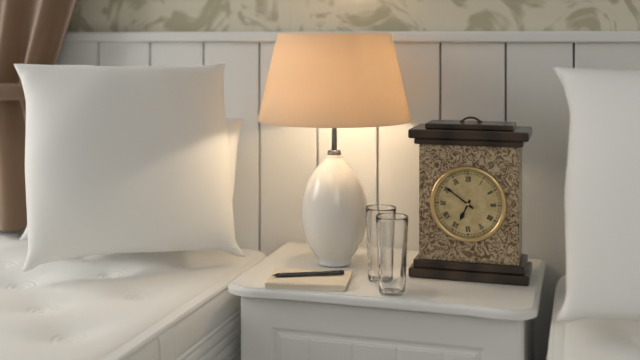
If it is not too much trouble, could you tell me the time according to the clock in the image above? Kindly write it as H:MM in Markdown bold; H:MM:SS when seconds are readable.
**6:51**
